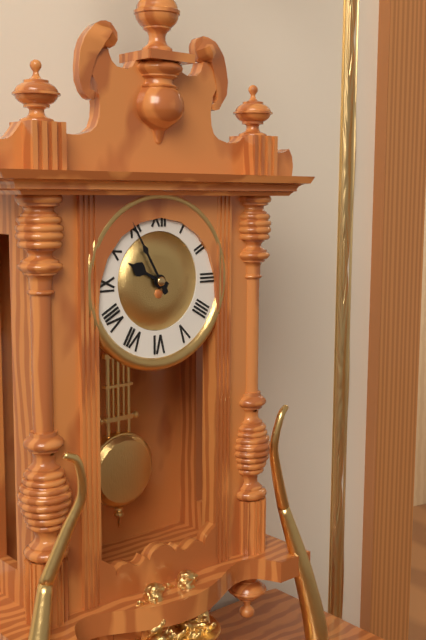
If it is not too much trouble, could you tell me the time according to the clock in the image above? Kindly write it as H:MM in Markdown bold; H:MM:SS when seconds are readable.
**9:55**
